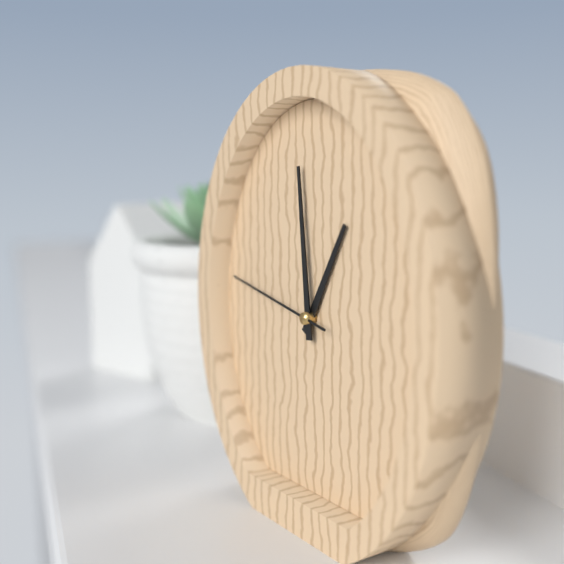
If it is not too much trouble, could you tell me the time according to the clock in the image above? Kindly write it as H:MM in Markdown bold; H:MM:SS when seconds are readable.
**12:59:47**
